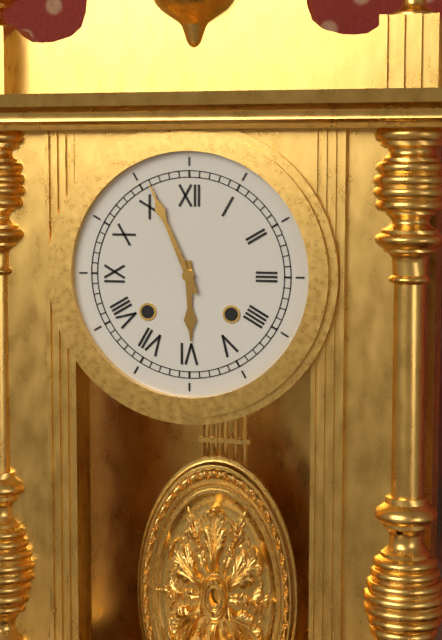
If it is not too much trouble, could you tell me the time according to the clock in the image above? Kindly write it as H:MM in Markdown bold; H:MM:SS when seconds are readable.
**5:56**
